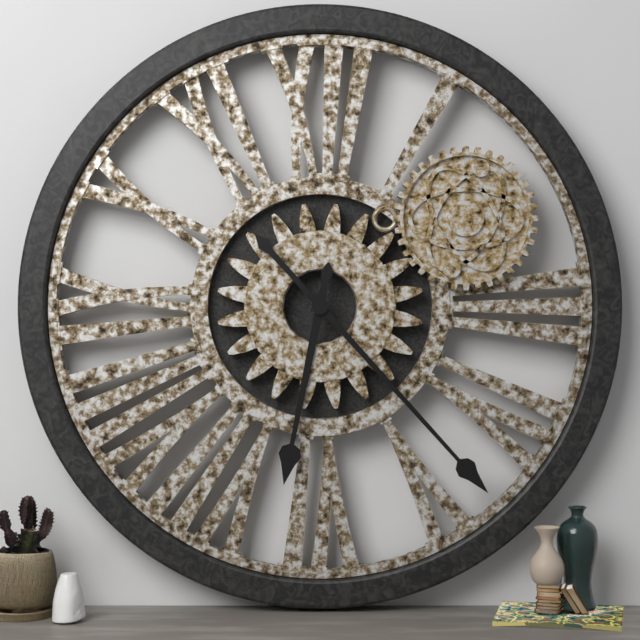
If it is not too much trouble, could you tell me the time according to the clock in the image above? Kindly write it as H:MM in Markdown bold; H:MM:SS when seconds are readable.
**6:23**
